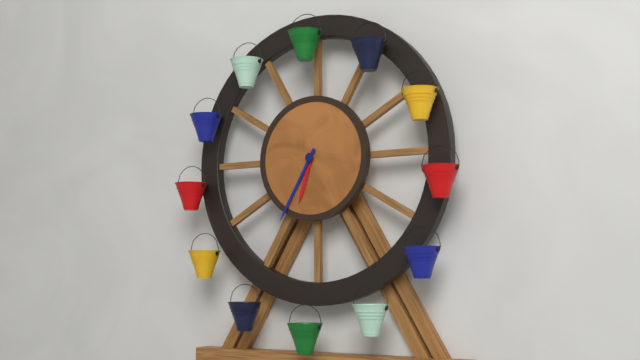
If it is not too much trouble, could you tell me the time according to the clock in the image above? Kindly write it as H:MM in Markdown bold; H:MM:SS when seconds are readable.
**6:35**
